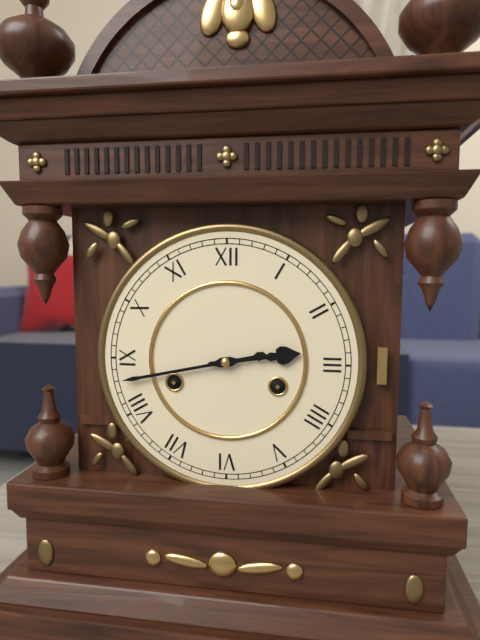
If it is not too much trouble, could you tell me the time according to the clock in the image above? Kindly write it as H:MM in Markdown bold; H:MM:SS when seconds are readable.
**2:43**
